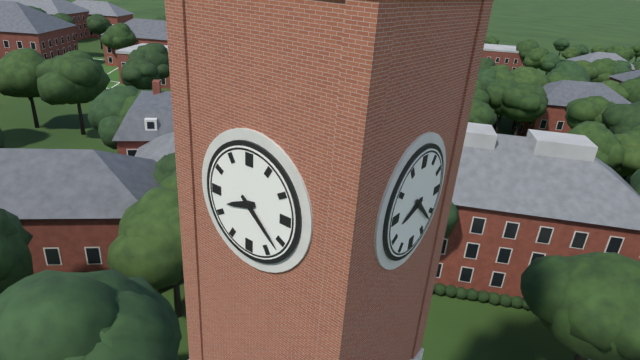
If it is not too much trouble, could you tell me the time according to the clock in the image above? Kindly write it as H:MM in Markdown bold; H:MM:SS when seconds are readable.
**8:22**
